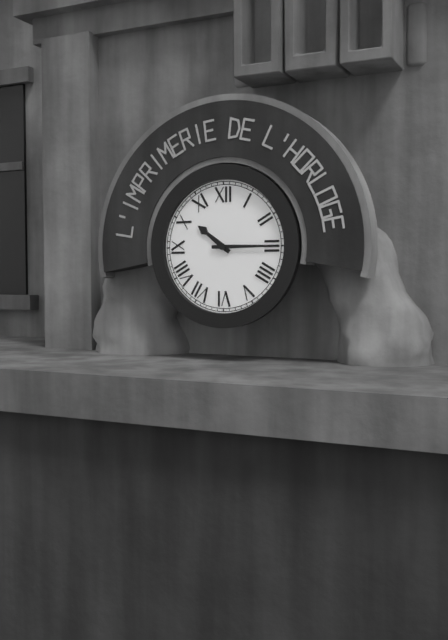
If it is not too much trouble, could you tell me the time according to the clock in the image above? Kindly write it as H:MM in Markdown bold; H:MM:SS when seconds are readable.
**10:15**
